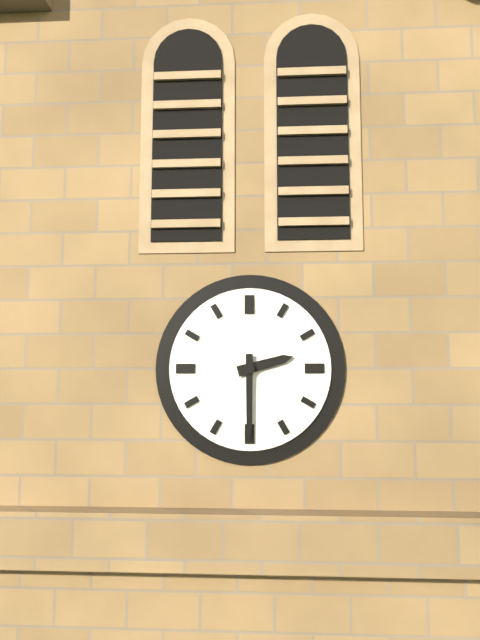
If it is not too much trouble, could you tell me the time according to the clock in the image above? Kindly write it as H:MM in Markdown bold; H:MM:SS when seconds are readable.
**2:30**
